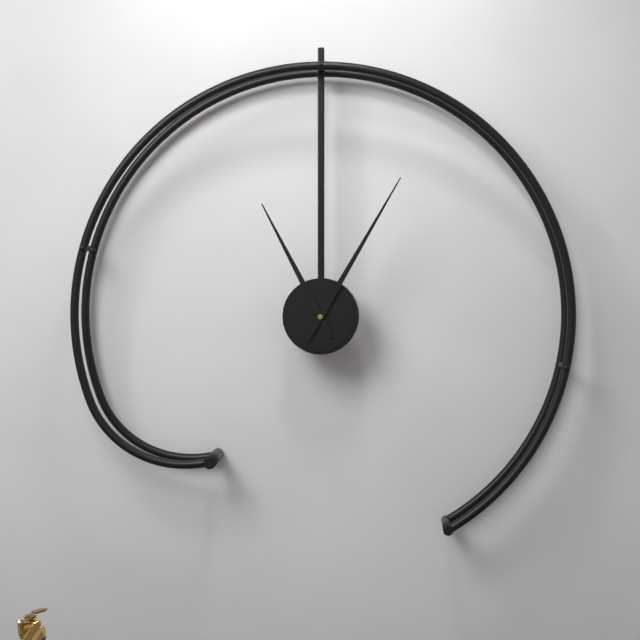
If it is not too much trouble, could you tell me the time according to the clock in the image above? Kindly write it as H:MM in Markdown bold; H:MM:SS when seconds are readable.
**11:05**
